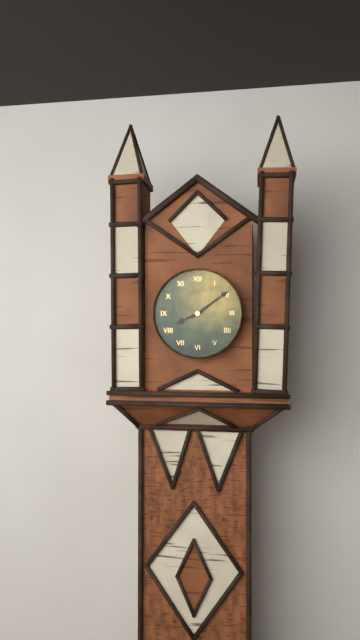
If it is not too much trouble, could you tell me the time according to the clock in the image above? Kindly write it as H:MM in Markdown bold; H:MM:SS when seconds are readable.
**8:09**
